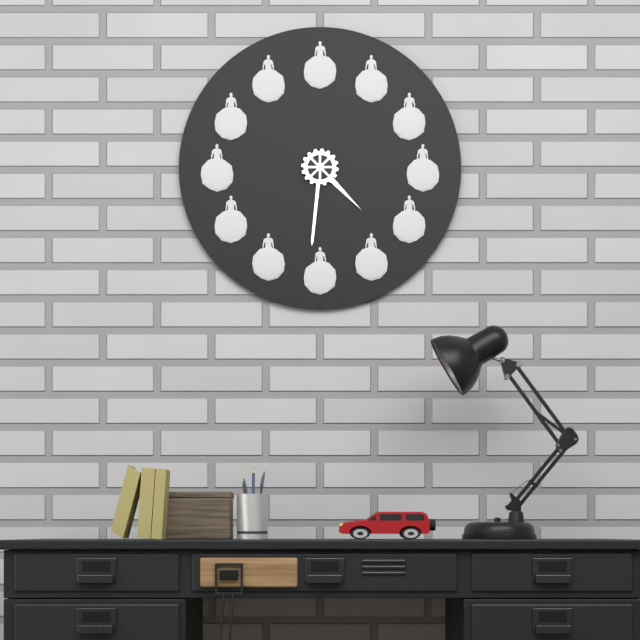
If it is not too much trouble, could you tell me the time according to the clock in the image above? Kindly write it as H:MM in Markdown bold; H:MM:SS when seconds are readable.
**4:31**
